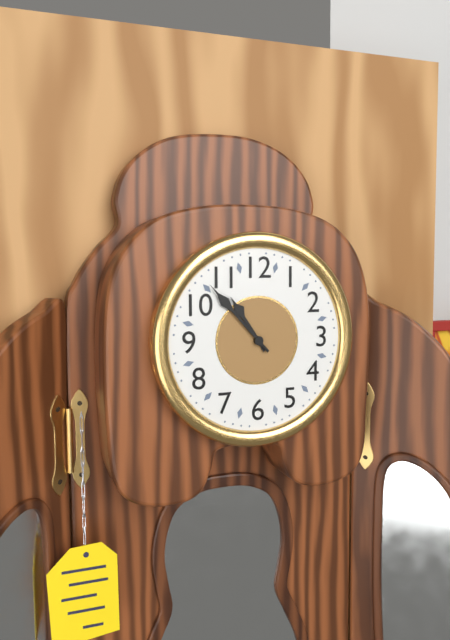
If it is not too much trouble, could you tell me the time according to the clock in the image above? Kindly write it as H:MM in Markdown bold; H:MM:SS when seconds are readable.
**10:53**
